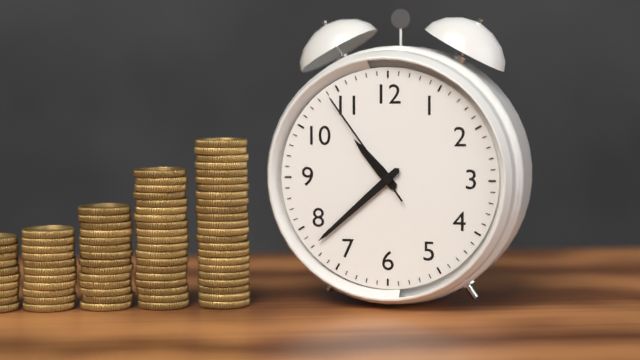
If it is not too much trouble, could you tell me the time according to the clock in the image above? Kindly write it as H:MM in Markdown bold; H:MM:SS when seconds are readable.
**10:38:54**
